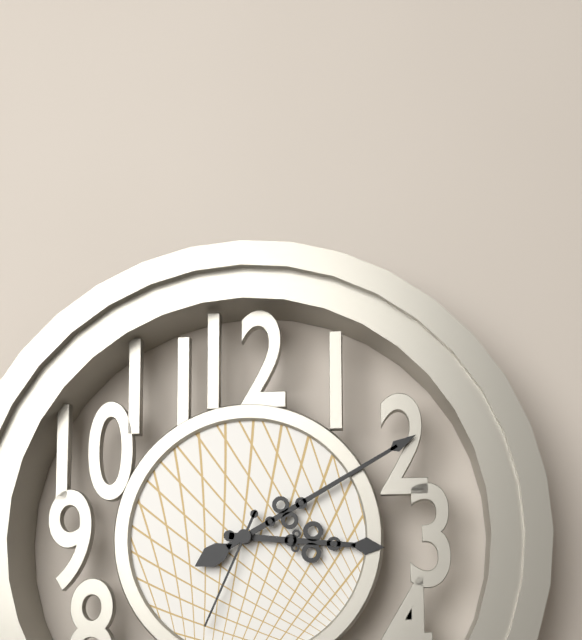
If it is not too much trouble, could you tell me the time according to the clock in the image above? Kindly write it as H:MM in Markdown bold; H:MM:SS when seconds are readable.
**3:10:34**
